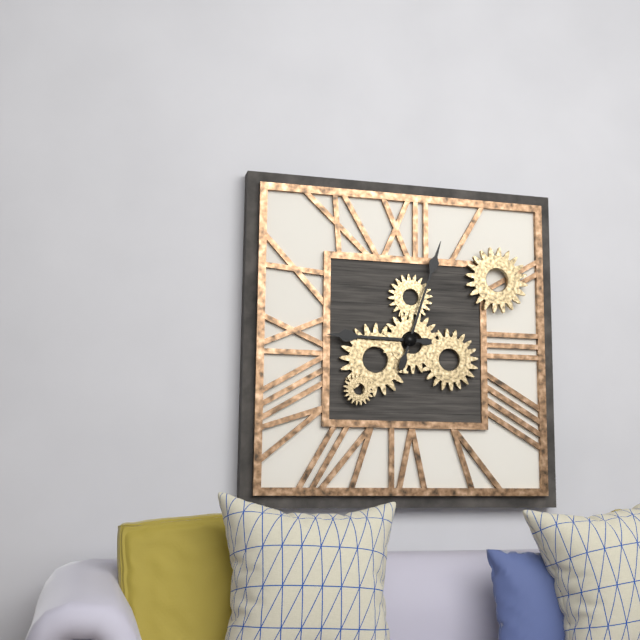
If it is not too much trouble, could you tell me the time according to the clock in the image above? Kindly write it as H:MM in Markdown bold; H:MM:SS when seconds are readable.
**9:03**
